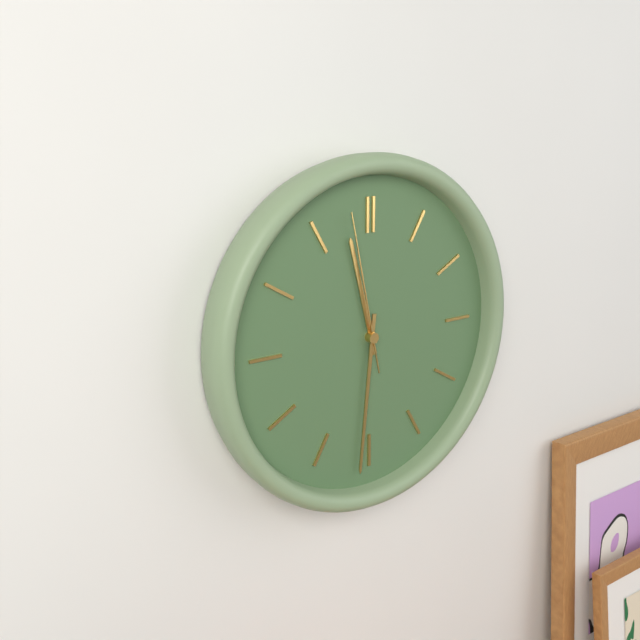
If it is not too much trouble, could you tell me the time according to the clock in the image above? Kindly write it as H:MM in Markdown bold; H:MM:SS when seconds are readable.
**11:31:58**
